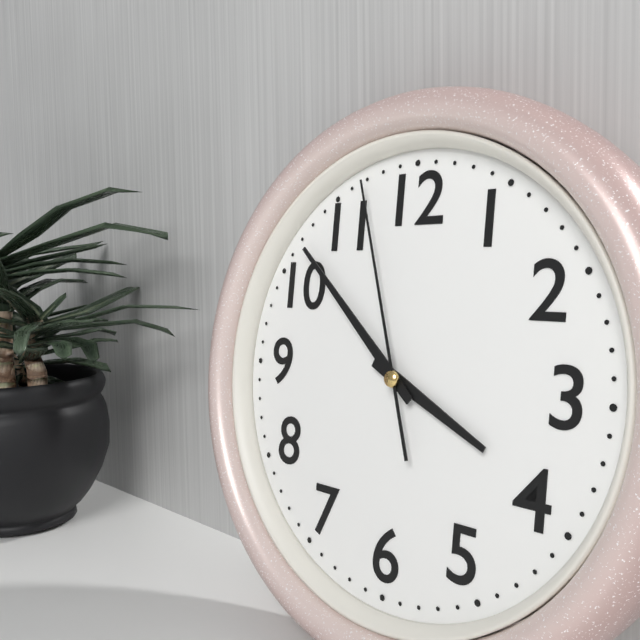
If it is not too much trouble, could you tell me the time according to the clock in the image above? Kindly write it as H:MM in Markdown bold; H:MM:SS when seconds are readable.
**3:52:57**
